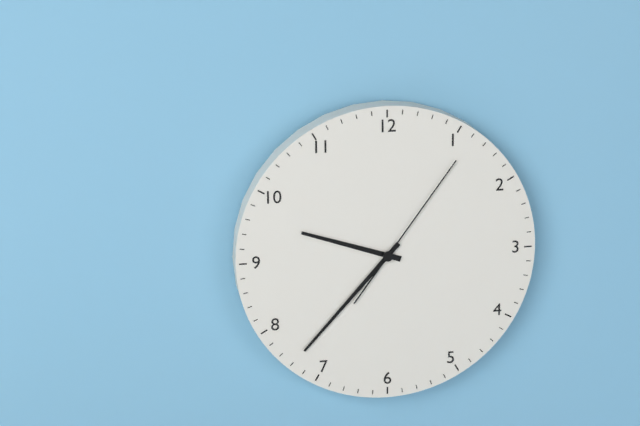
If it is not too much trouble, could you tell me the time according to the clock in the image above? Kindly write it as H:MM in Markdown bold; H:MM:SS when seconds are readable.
**9:37:06**
